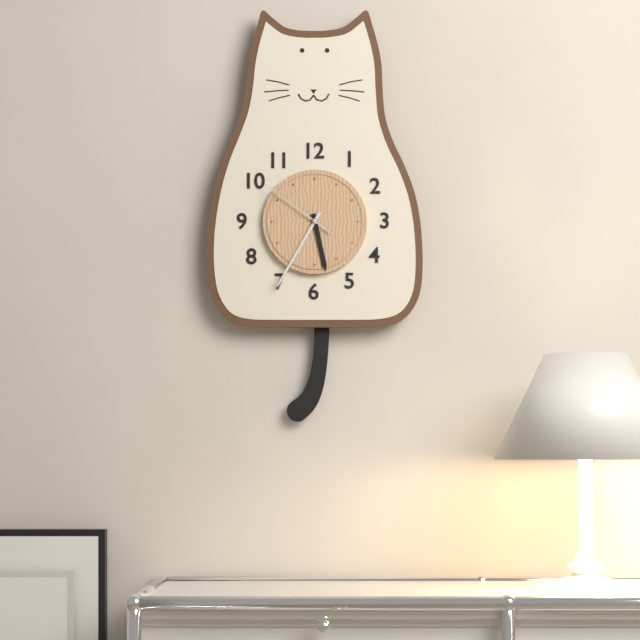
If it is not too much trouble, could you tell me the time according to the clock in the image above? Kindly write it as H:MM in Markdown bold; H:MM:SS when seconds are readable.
**5:35:51**
